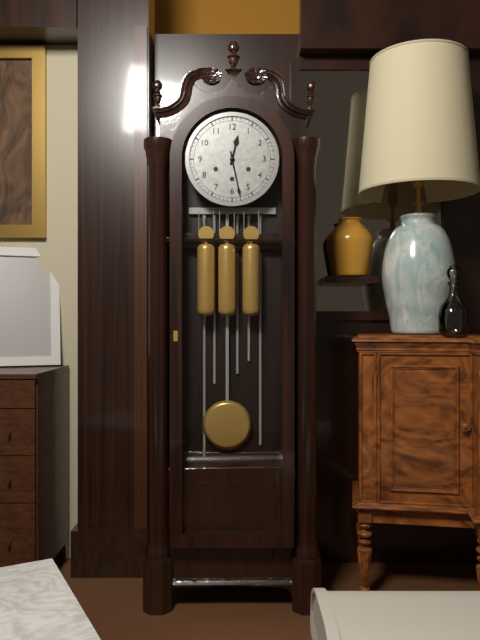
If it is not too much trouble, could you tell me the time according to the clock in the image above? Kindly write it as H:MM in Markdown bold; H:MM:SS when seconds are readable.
**12:28**
